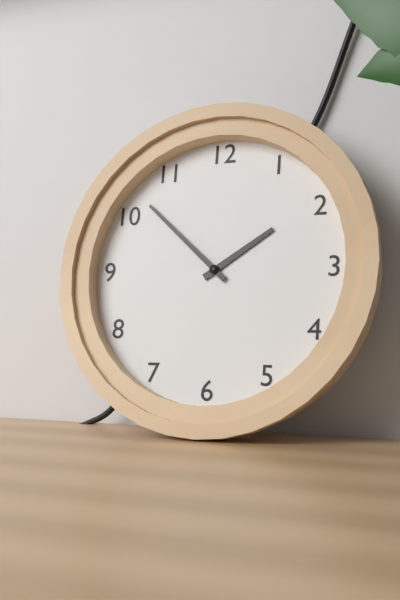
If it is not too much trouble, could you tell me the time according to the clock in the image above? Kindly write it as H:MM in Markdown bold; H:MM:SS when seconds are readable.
**1:52**
